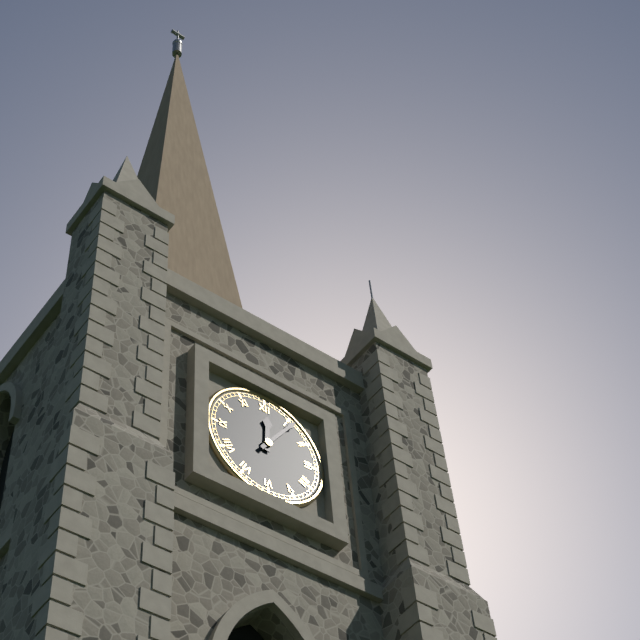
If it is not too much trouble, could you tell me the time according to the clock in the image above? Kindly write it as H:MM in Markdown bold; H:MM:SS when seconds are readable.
**12:06**
